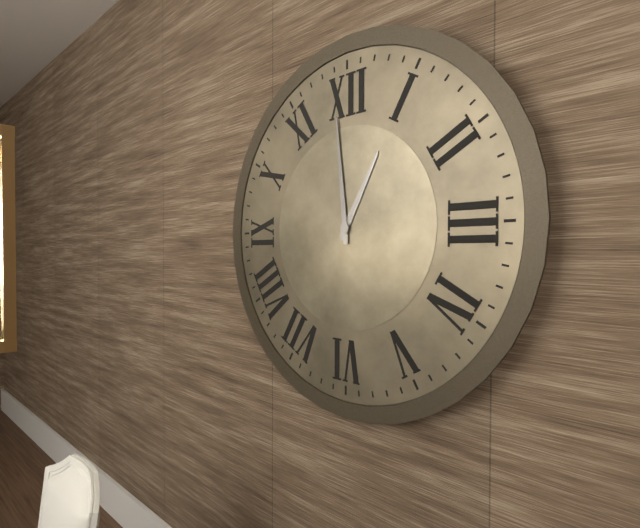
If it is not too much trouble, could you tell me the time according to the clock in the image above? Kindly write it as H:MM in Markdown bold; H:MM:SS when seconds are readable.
**12:59**
